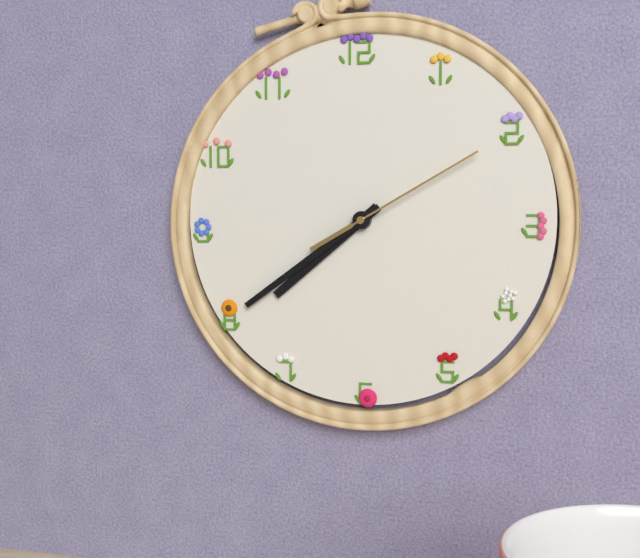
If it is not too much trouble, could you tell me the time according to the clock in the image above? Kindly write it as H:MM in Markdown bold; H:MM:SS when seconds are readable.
**7:39:10**
